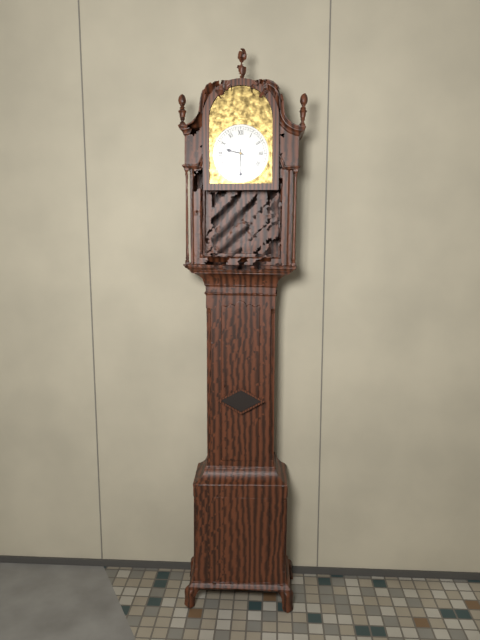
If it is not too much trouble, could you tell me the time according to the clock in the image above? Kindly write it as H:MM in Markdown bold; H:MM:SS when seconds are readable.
**9:30**
